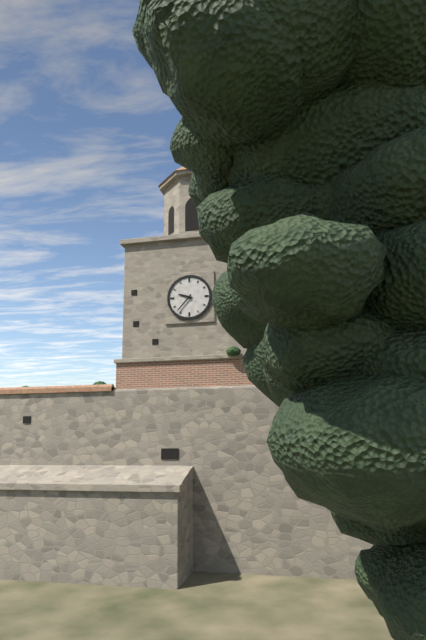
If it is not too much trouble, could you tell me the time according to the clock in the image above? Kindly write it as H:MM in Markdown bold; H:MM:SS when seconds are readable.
**9:37**
